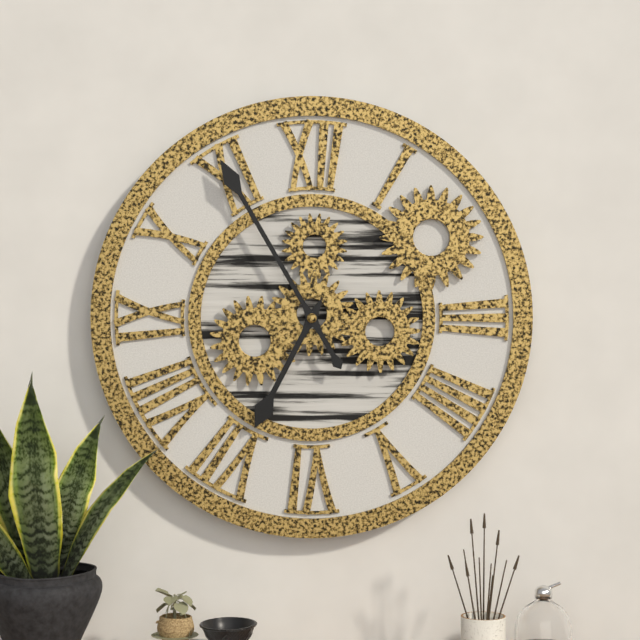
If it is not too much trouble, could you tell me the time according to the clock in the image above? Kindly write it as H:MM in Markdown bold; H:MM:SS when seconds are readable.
**6:55**
